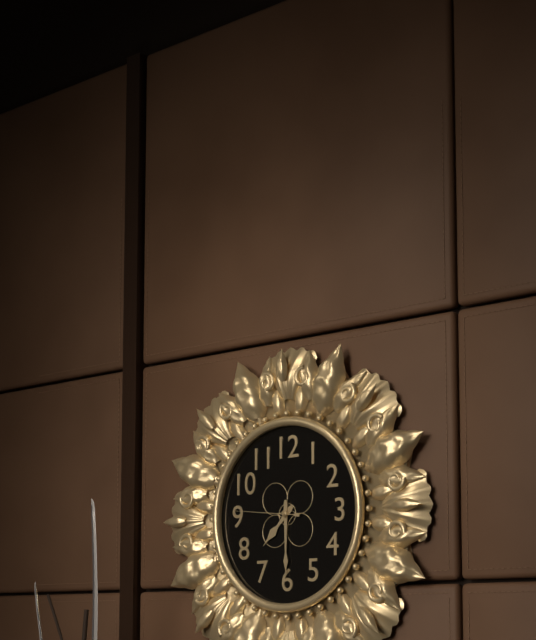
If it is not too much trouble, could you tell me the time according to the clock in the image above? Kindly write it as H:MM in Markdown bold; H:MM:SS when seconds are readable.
**7:30:46**
